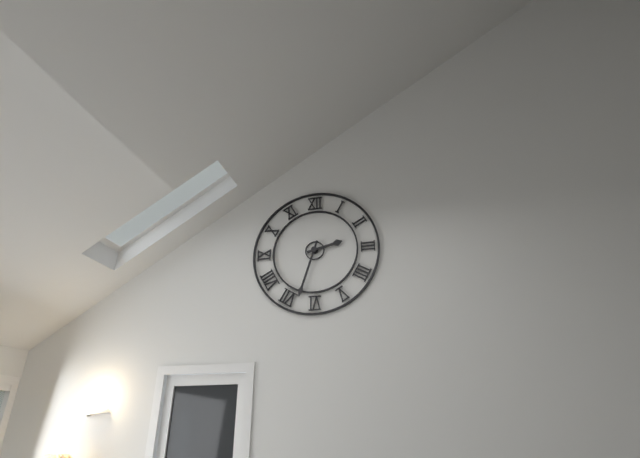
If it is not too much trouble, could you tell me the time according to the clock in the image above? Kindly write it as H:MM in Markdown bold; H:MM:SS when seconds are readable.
**2:33**
